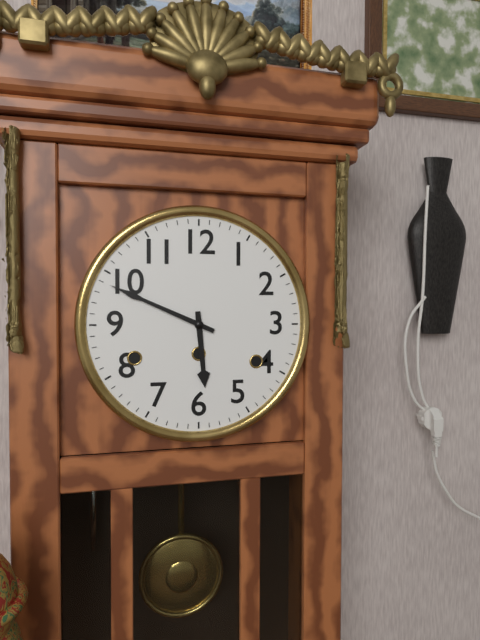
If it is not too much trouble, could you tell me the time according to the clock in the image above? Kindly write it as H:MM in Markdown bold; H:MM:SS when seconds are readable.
**5:49**
